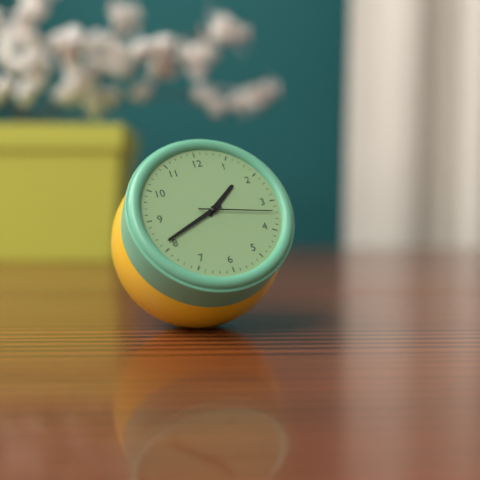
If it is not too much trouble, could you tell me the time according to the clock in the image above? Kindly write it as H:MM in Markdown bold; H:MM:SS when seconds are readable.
**1:41:17**
